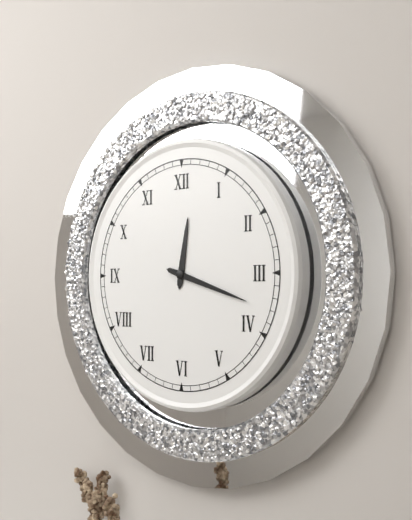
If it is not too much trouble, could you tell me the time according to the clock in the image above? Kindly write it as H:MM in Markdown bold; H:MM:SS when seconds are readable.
**12:18**
